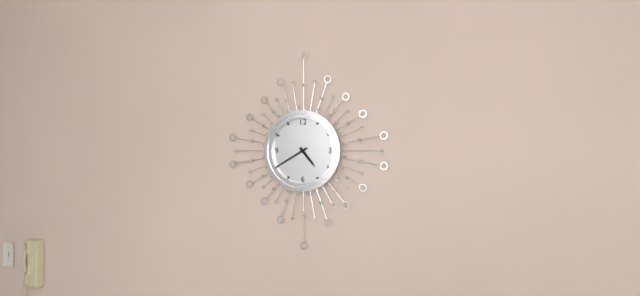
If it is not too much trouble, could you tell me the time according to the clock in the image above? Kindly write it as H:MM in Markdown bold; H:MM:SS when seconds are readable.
**4:40**
